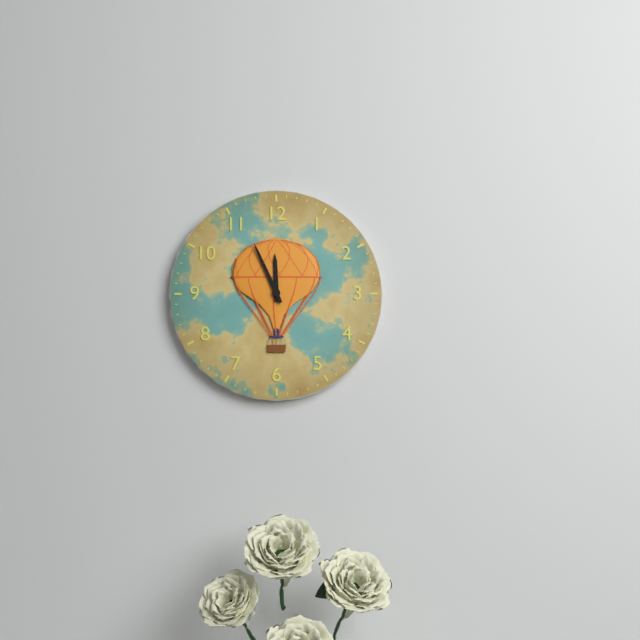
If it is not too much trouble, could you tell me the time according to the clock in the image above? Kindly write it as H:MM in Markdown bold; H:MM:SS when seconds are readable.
**11:56**
